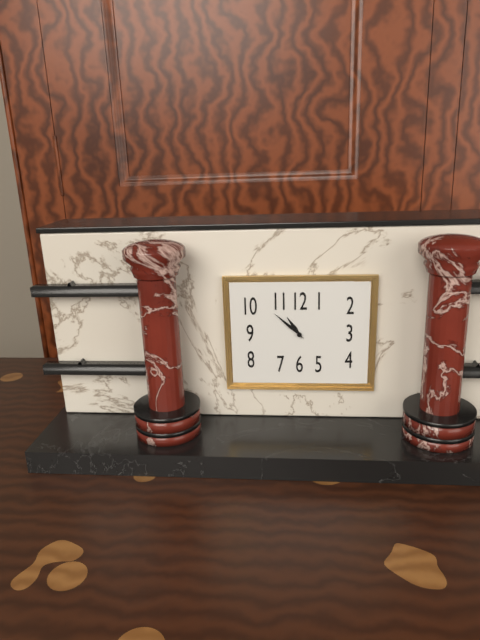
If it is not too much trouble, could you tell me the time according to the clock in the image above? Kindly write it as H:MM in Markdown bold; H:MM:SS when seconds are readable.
**10:52**
